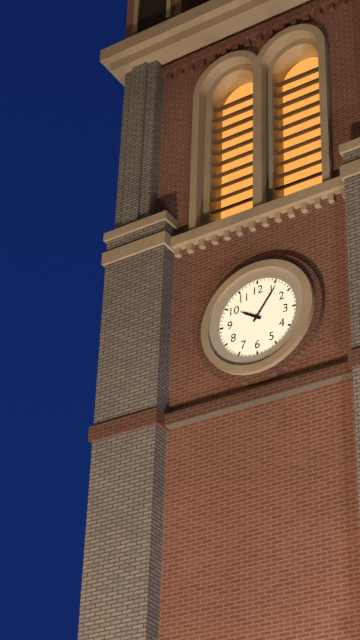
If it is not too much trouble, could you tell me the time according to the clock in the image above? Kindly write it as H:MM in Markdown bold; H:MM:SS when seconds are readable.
**10:06**
